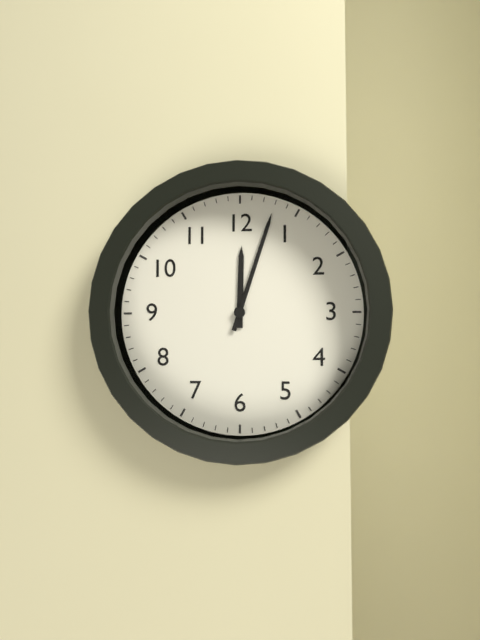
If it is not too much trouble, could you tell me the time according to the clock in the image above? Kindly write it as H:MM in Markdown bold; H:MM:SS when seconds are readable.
**12:03**
